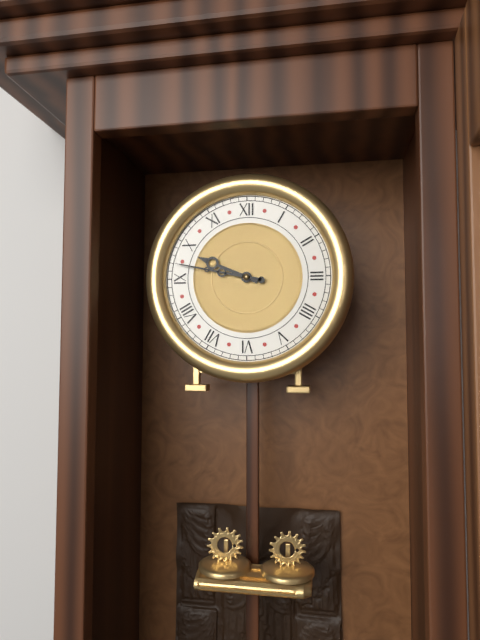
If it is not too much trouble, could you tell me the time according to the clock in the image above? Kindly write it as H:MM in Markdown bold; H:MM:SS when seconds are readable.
**9:47**
